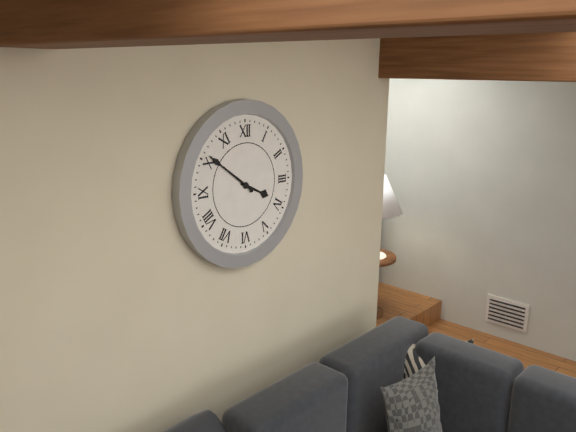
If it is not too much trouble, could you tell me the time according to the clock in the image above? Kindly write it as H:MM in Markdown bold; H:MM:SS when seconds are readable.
**3:51**
